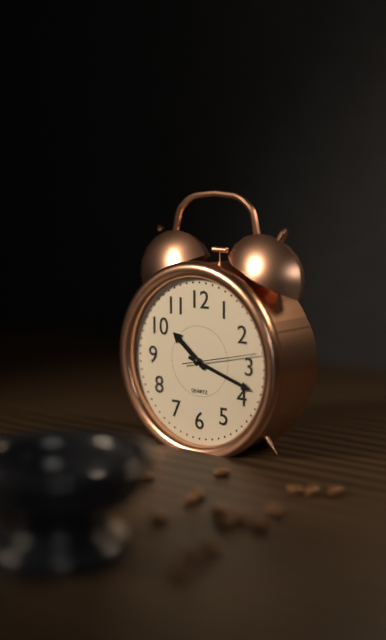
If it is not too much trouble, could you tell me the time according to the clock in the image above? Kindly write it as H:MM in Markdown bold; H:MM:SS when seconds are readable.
**10:18:13**
